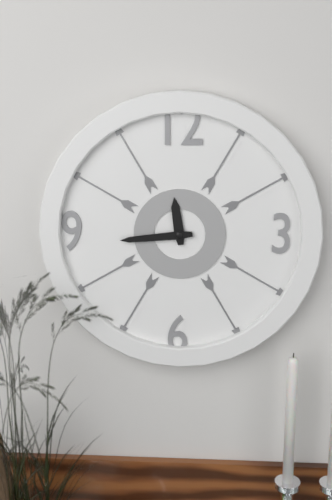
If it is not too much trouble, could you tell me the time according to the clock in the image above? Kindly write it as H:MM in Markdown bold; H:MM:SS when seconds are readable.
**11:44**
